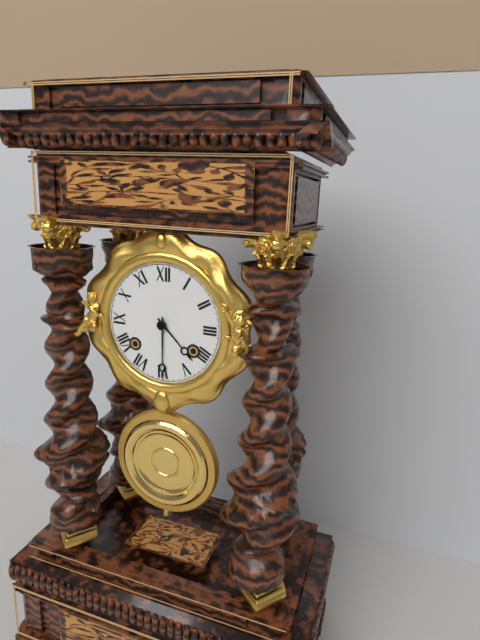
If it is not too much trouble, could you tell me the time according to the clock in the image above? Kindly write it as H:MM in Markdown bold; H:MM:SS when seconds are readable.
**4:30**
